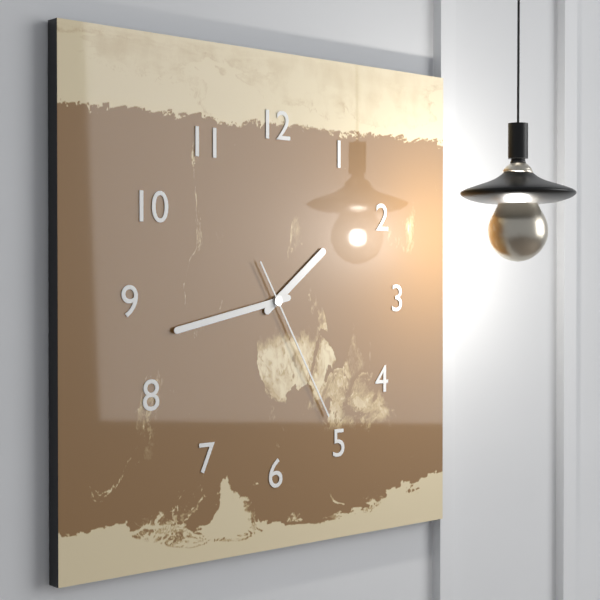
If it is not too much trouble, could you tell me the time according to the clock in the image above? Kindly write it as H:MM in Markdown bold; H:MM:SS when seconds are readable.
**1:43:25**
